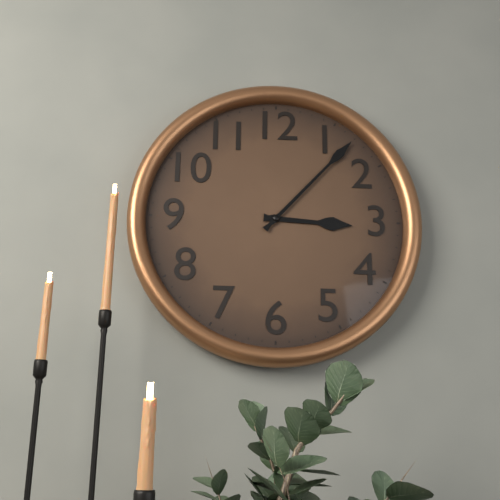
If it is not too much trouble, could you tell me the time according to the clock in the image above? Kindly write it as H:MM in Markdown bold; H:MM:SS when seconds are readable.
**3:07**
